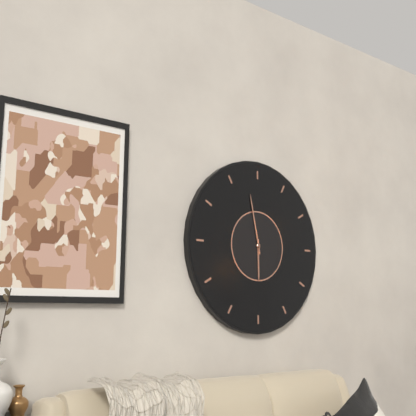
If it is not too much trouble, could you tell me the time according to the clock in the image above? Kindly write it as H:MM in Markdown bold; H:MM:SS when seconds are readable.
**5:58**
